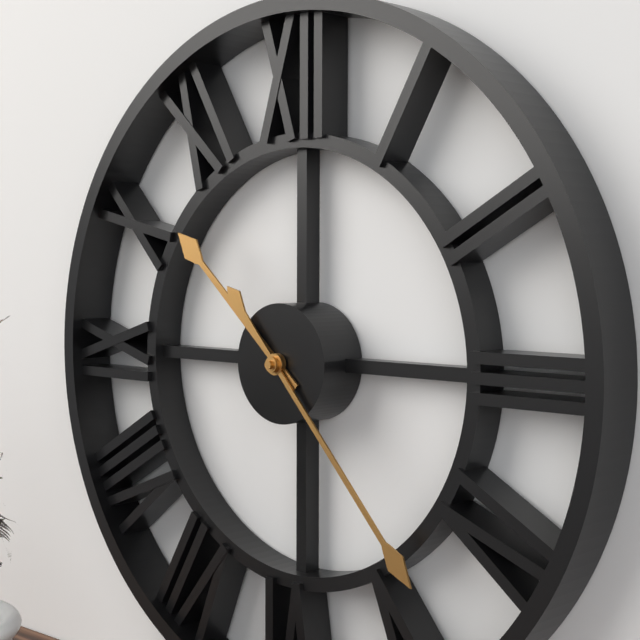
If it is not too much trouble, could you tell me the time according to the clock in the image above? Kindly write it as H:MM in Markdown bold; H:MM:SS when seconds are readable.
**10:23**
